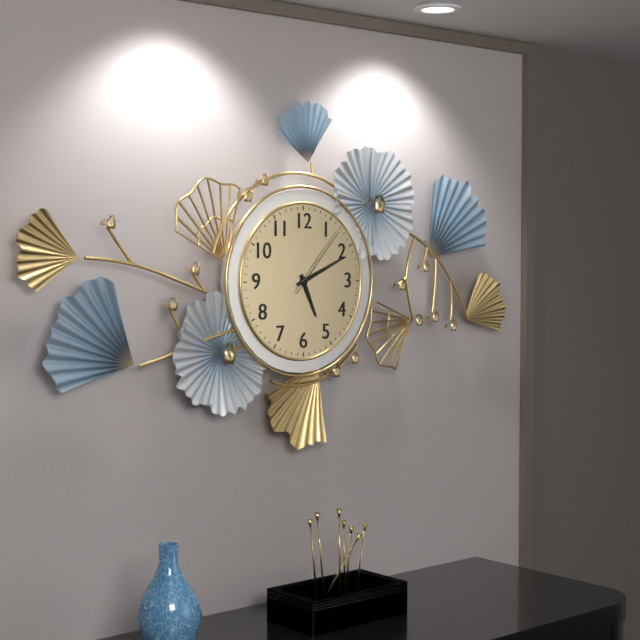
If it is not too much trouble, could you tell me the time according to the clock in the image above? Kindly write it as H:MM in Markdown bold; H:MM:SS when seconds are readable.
**5:11:07**
